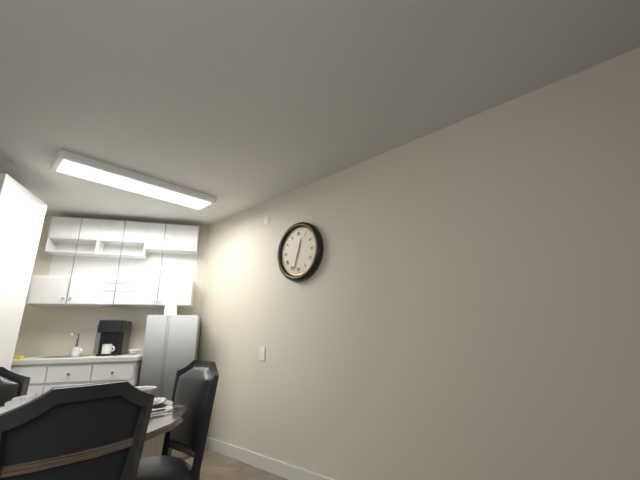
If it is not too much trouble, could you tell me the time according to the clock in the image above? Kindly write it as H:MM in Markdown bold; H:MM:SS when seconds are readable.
**12:33**
